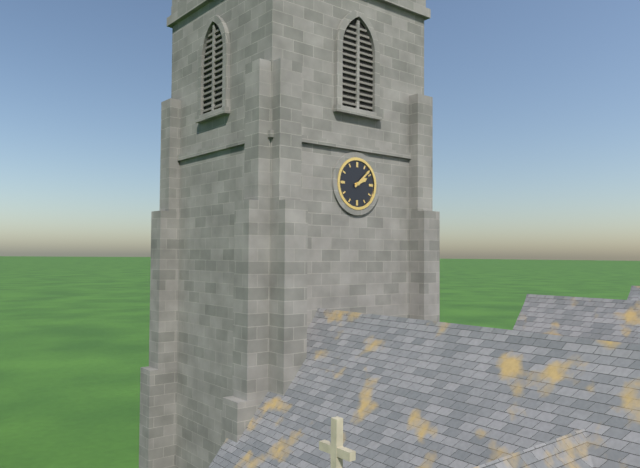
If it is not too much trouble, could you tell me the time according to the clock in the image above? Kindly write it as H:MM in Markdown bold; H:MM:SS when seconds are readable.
**2:08**
